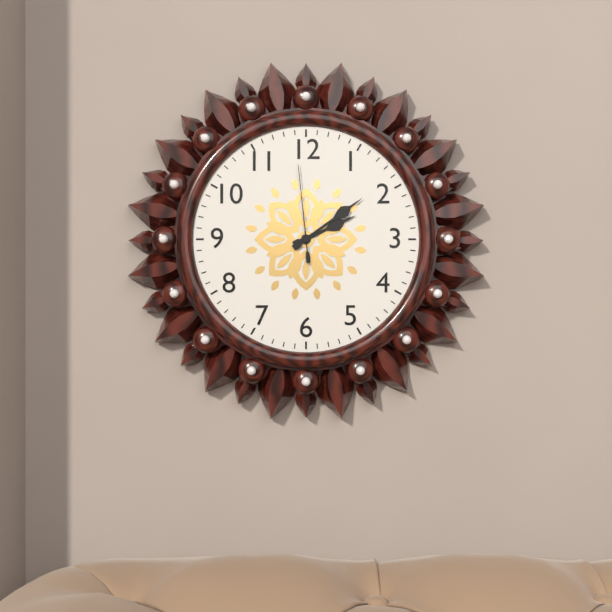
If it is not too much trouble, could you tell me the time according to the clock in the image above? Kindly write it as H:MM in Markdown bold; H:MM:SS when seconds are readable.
**2:09:59**
